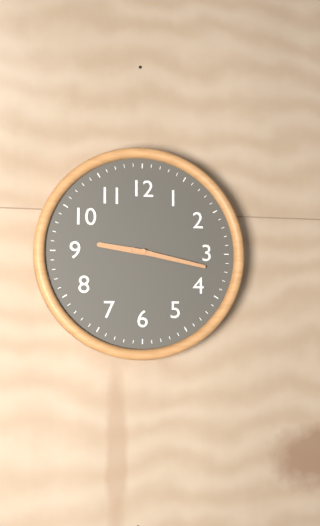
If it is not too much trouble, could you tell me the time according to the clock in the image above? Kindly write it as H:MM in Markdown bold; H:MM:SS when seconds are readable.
**9:17**
